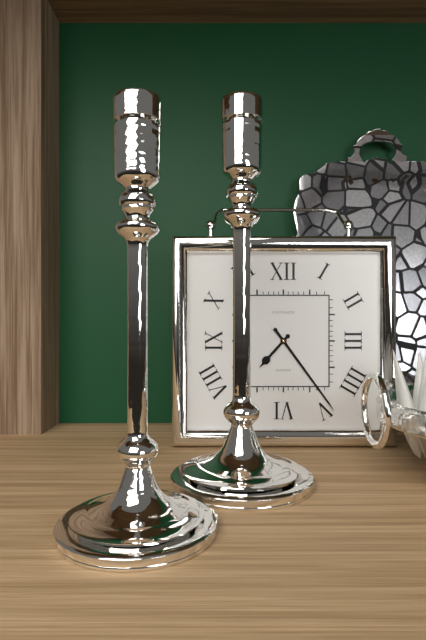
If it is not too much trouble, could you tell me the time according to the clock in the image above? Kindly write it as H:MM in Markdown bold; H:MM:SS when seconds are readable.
**7:24**
